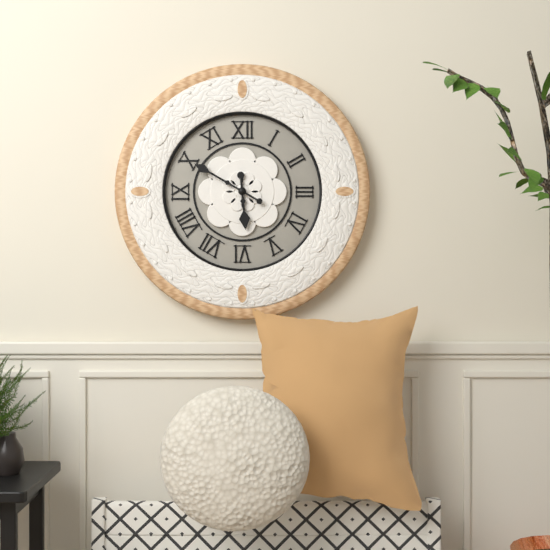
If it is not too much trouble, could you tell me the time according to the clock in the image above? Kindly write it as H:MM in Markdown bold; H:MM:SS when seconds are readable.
**5:50**
